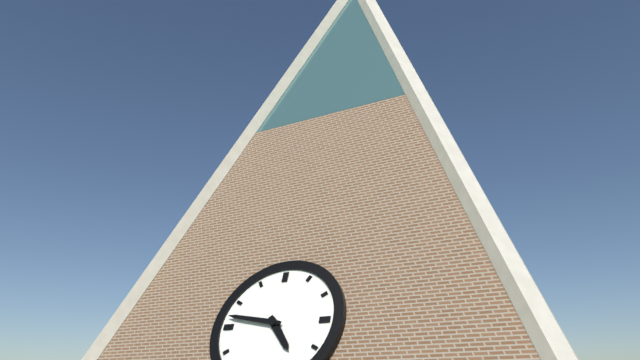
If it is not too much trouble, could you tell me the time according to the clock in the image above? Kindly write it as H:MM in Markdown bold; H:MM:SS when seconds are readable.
**4:47**
